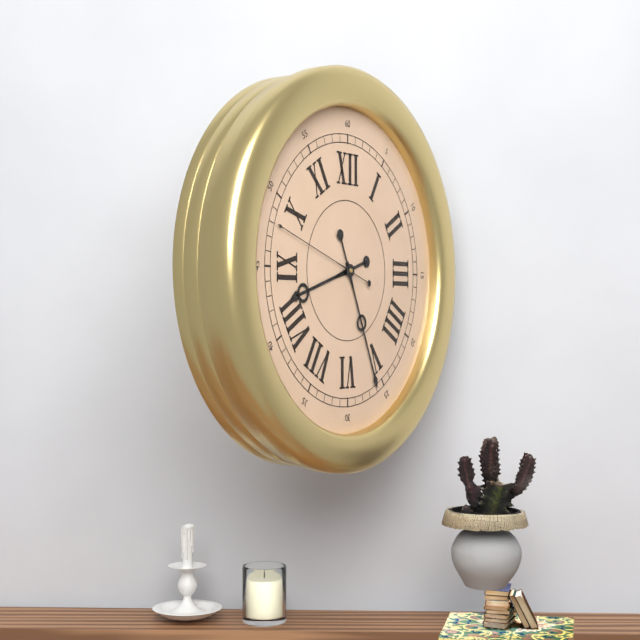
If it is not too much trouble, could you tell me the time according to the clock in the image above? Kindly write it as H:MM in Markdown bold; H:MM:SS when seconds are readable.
**8:26:48**
